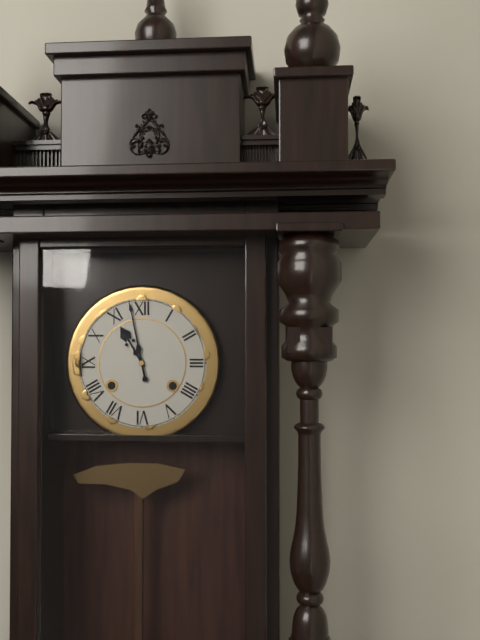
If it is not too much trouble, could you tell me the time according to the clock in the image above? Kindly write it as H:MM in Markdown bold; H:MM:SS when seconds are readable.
**10:58**
